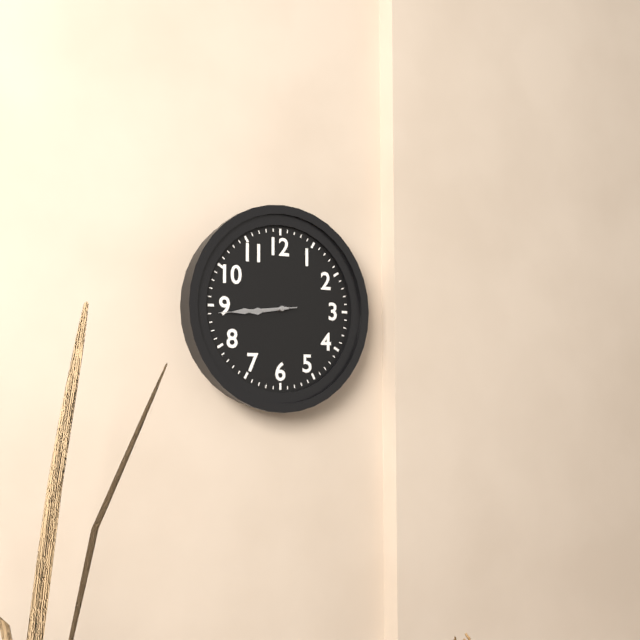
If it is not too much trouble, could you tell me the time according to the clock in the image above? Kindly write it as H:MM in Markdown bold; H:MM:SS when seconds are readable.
**8:44:44**
